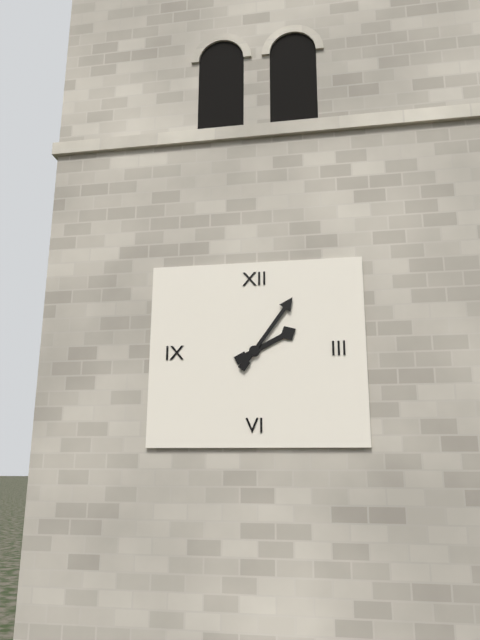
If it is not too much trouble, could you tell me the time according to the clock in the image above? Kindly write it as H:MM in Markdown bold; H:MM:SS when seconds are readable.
**2:06**
